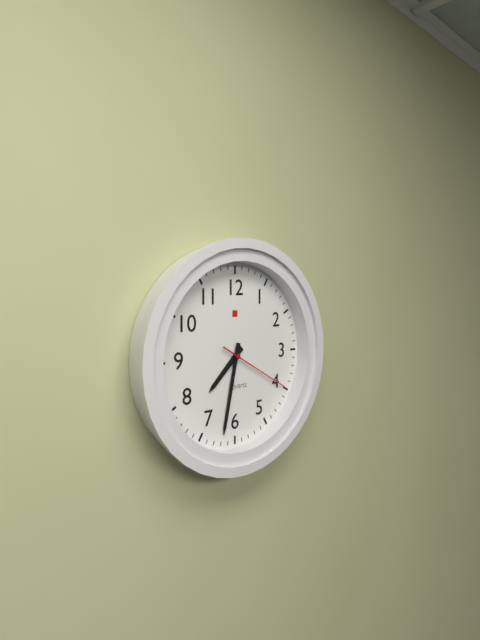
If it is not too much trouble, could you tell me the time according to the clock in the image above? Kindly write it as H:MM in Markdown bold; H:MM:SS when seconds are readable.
**7:32:20**
